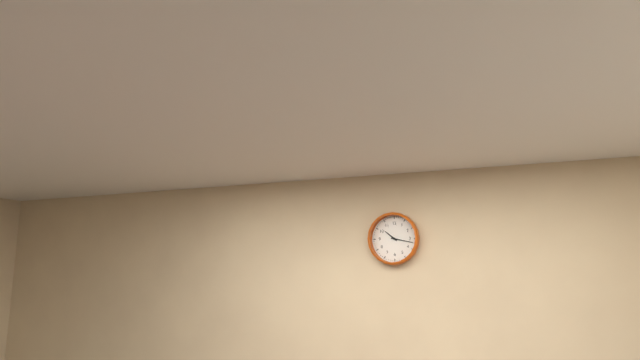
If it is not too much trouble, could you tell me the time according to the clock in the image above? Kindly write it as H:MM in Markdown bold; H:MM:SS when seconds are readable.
**10:17**
